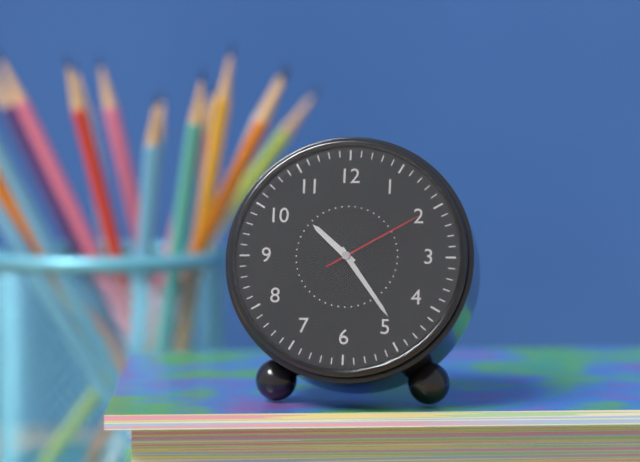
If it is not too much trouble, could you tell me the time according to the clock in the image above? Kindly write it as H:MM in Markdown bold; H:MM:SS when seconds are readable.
**10:24:10**
